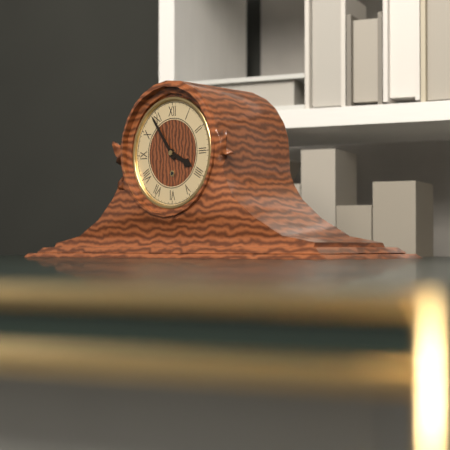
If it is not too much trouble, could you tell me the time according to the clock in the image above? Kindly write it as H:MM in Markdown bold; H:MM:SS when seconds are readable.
**3:54**
